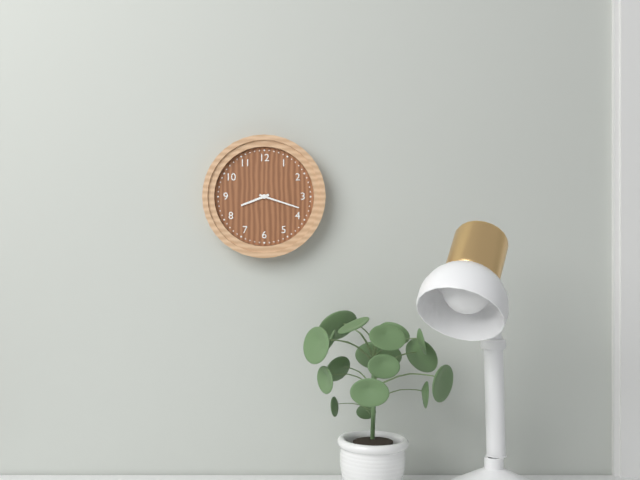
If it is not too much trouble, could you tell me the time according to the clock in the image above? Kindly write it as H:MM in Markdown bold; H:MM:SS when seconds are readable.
**8:18**
